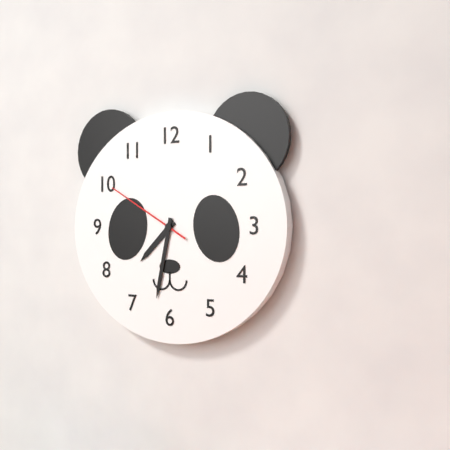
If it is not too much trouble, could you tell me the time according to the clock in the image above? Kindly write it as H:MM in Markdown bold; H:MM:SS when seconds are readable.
**7:32:50**
